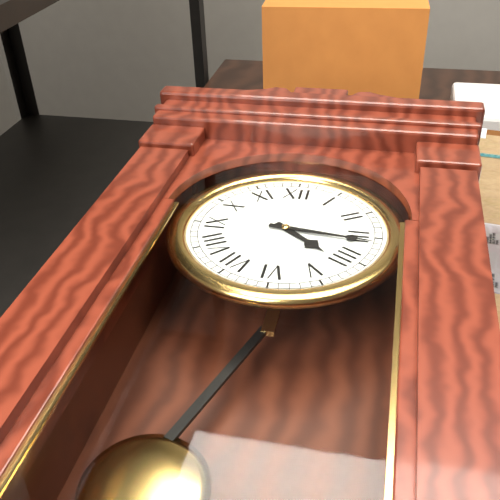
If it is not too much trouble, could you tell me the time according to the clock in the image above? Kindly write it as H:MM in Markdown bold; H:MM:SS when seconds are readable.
**4:16**
